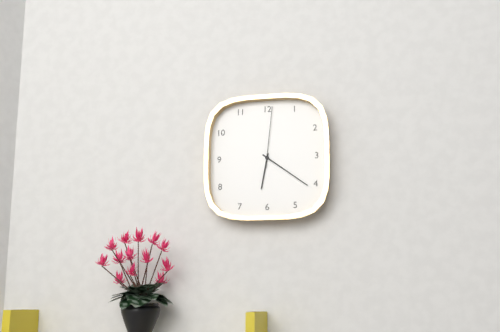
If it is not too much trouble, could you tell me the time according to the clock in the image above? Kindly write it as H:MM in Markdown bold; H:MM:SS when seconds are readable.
**6:21:01**
